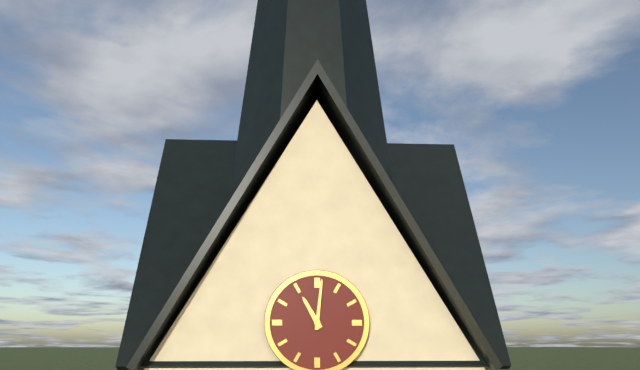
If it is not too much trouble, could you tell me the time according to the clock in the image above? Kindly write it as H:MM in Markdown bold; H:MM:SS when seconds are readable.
**11:01**
